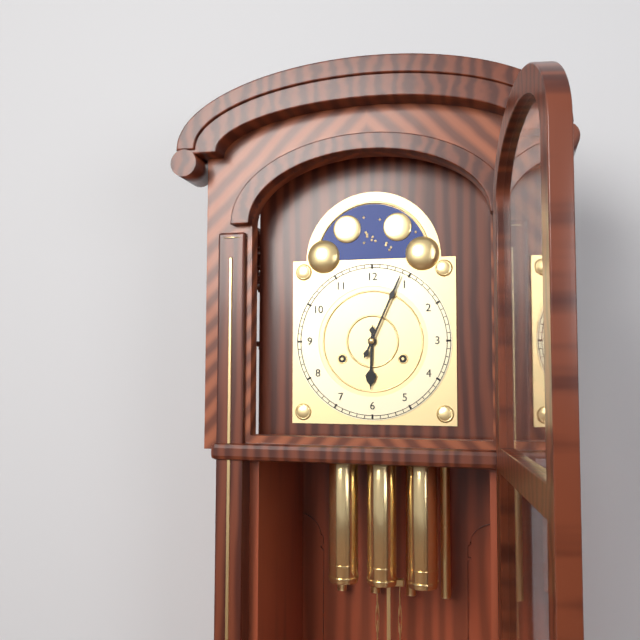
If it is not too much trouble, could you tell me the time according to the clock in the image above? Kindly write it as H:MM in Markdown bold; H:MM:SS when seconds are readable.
**6:04**
